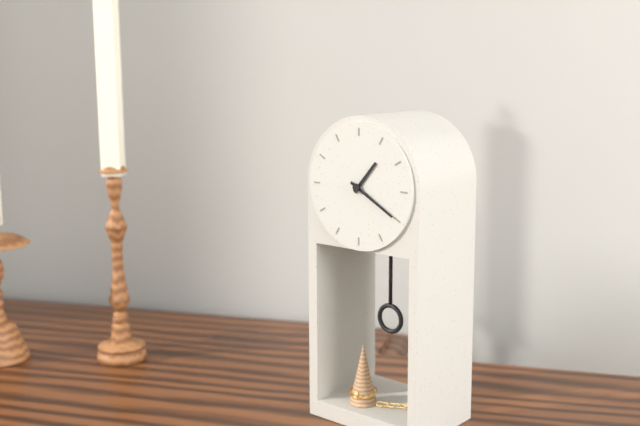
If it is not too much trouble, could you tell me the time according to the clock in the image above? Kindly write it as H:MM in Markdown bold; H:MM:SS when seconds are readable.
**1:20**
